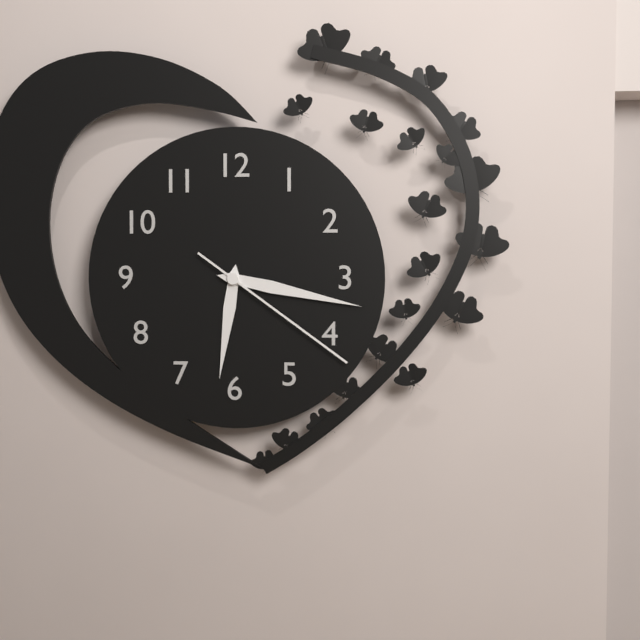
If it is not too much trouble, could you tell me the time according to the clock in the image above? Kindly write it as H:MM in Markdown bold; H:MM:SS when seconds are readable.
**6:17:21**
